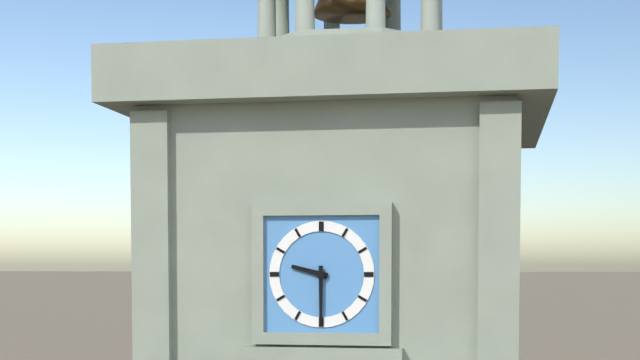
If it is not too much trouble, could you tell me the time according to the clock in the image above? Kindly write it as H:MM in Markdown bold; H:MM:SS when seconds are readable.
**9:30**
